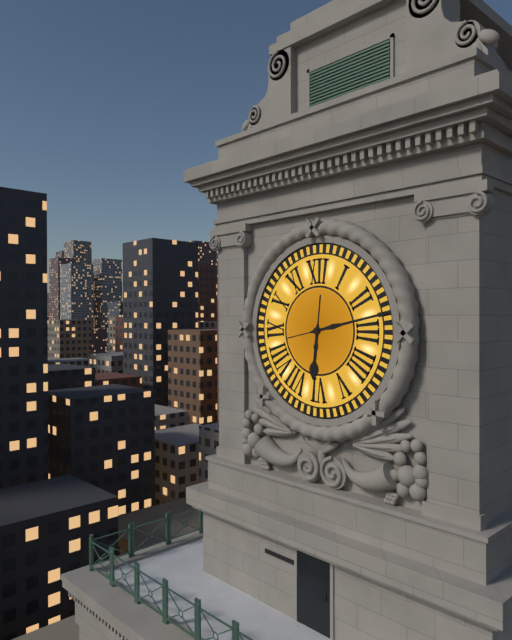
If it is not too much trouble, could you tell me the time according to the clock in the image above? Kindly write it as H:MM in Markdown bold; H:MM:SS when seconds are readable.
**6:13**
